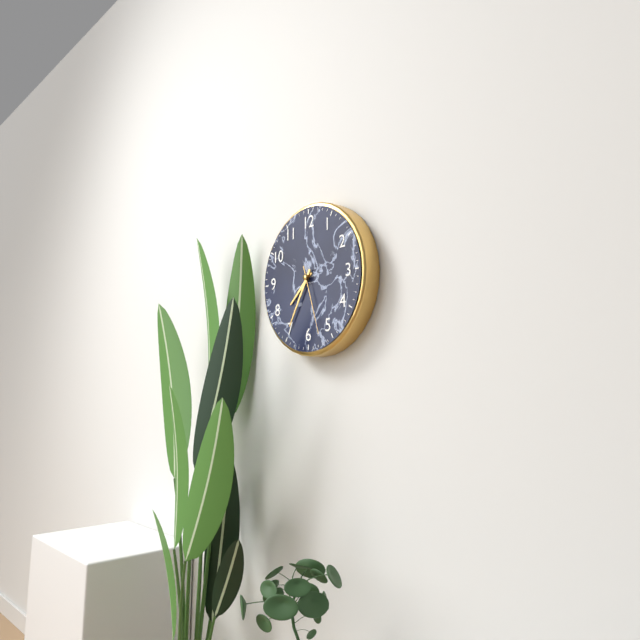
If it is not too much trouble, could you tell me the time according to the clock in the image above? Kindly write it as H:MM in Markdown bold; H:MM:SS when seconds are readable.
**7:35:27**
